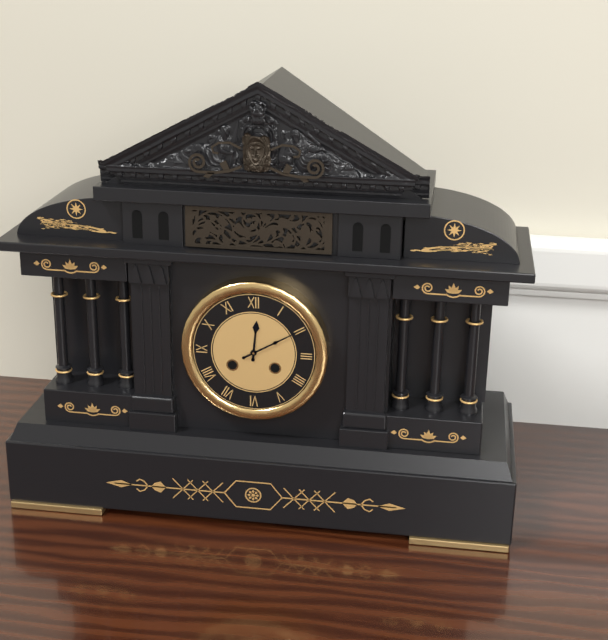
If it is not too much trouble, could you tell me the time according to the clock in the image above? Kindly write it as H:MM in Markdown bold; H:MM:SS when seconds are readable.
**12:10**
